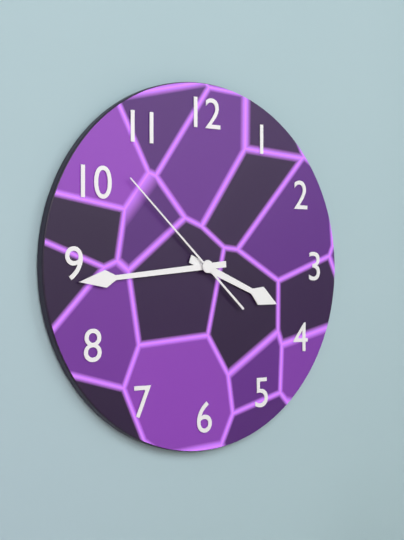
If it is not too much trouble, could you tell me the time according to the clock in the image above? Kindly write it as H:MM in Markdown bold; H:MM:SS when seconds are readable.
**3:44:52**
